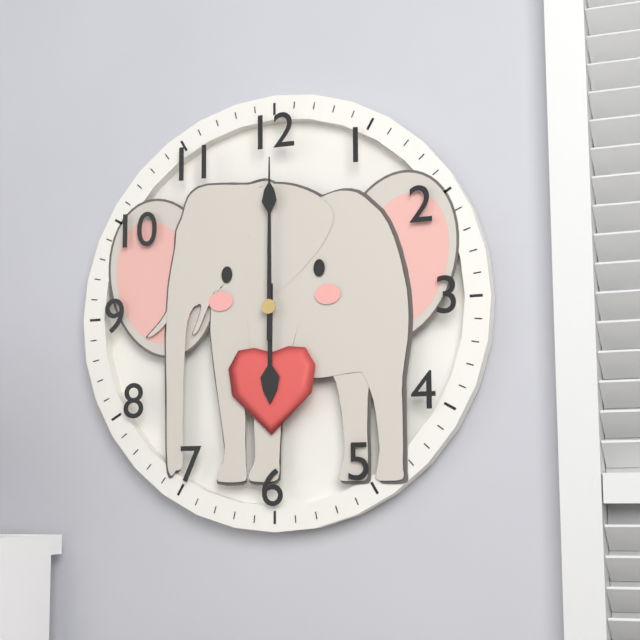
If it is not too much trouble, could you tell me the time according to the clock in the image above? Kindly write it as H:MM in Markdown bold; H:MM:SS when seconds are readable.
**6:00**
